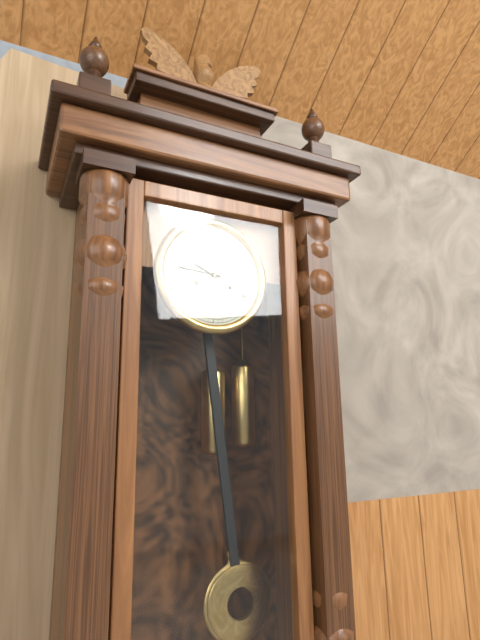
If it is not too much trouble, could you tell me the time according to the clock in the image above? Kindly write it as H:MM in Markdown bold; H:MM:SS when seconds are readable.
**9:46**
